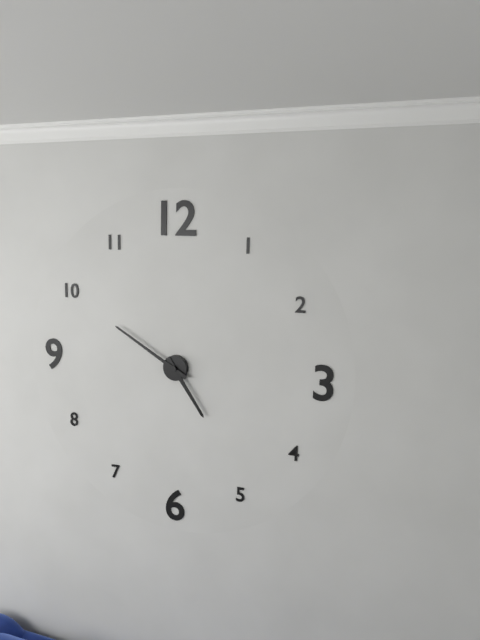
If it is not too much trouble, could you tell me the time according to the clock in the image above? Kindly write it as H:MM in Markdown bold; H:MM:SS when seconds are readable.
**4:50**
